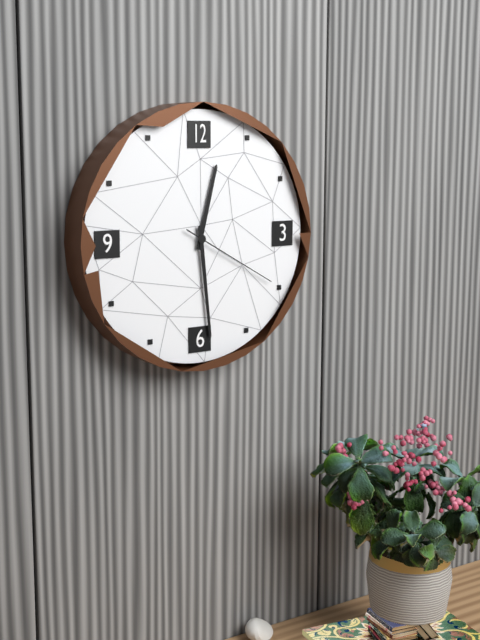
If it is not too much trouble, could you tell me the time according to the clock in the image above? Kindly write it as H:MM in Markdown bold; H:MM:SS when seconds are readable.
**12:29:20**
